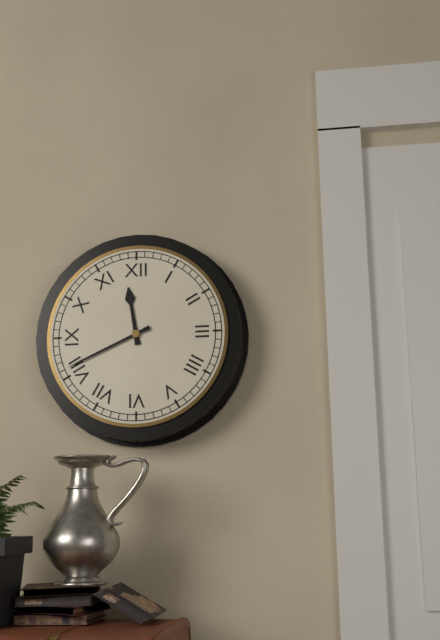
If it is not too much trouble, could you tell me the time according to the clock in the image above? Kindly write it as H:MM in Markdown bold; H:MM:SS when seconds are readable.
**11:41**
